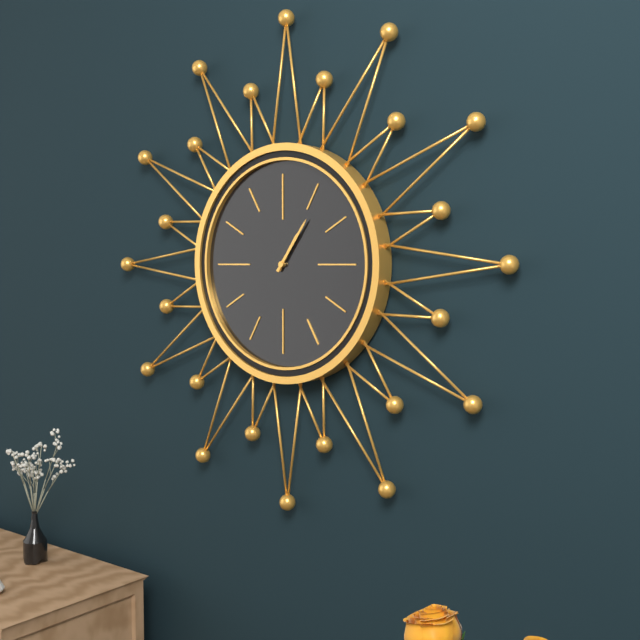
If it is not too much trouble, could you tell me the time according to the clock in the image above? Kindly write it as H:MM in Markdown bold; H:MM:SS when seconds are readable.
**1:06**
